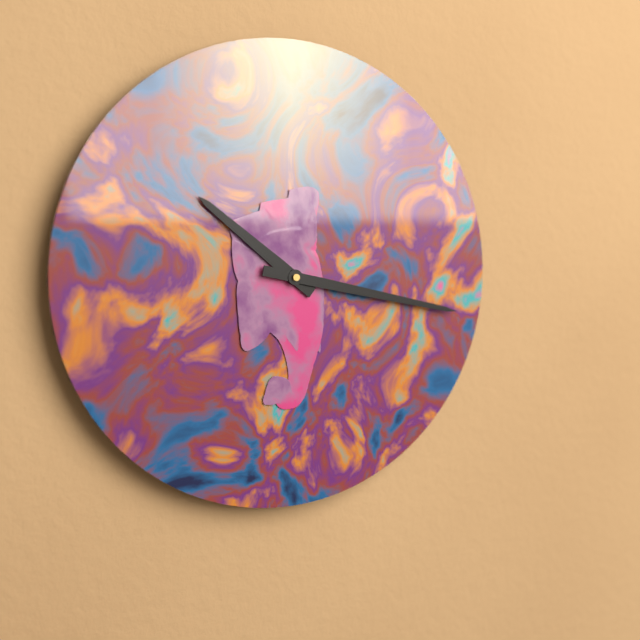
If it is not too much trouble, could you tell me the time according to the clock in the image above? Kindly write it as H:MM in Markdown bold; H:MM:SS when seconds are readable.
**10:17**
